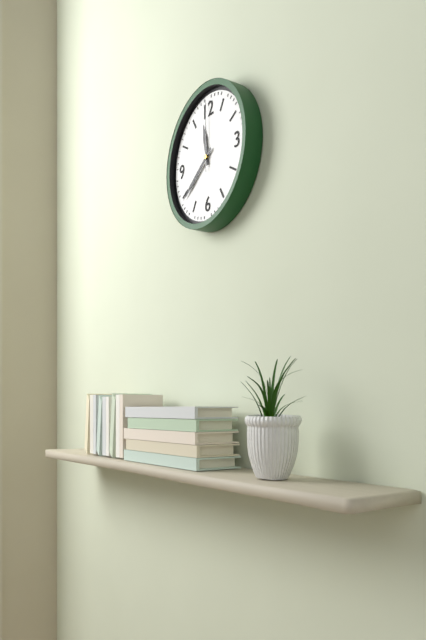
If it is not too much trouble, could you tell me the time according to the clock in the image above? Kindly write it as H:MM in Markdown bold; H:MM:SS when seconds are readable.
**11:39:00**
